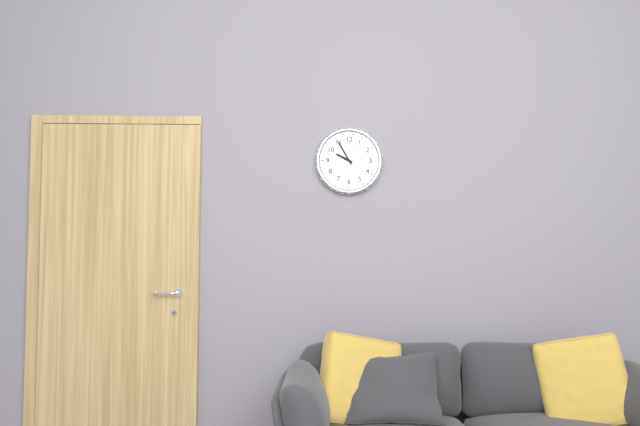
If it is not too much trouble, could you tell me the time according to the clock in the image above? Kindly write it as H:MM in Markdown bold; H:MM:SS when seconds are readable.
**9:55**
